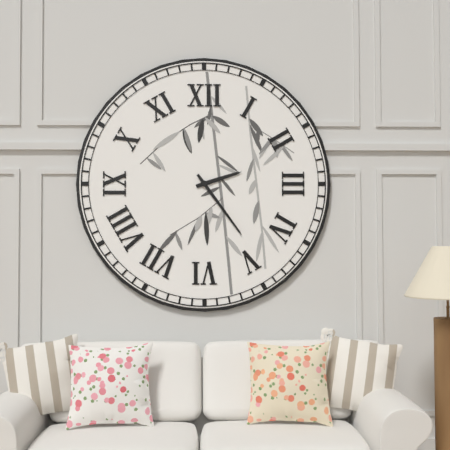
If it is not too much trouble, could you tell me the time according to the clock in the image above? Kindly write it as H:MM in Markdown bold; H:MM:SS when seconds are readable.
**2:24**
